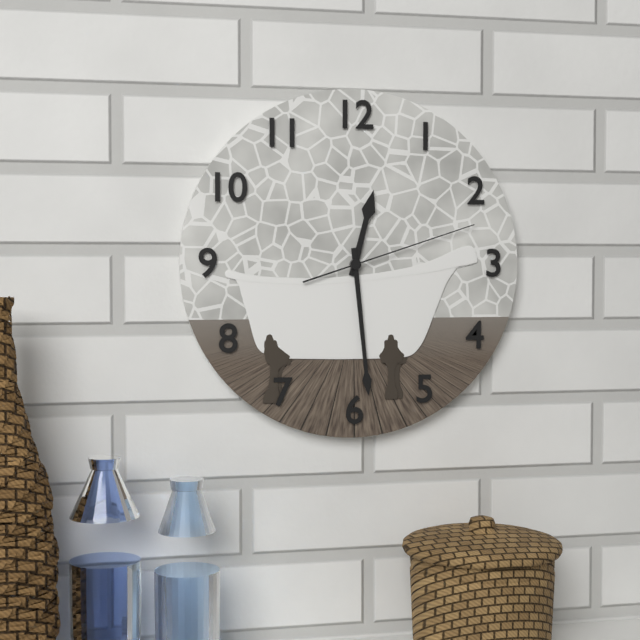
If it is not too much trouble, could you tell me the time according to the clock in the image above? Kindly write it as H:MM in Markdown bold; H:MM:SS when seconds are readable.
**12:29:12**
